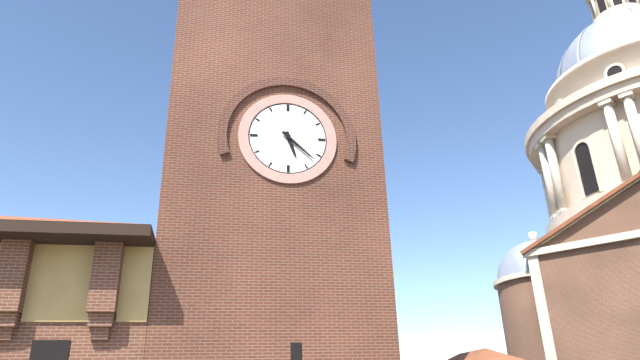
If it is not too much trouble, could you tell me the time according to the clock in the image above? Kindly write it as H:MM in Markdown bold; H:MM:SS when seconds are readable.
**5:22**
